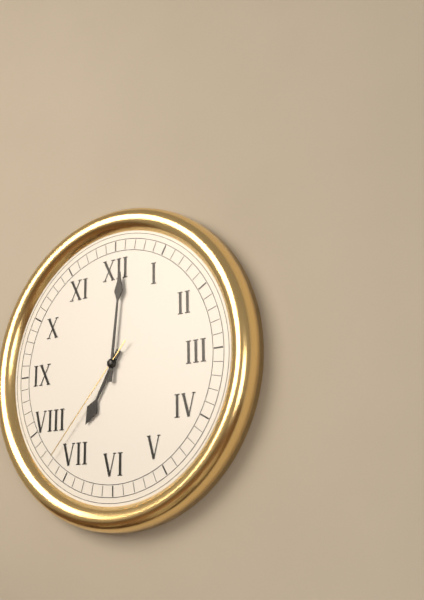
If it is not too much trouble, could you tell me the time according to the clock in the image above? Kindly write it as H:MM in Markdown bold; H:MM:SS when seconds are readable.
**7:01:37**
